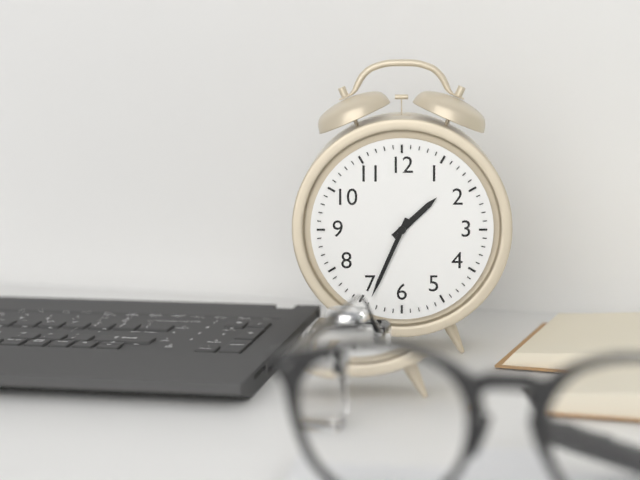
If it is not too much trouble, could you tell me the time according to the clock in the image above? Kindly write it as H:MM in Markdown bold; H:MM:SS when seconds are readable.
**1:34**
